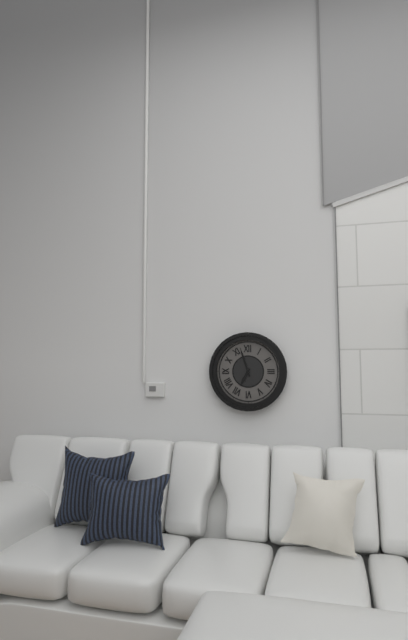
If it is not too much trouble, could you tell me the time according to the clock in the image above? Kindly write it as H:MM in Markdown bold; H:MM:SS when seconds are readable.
**6:57**
